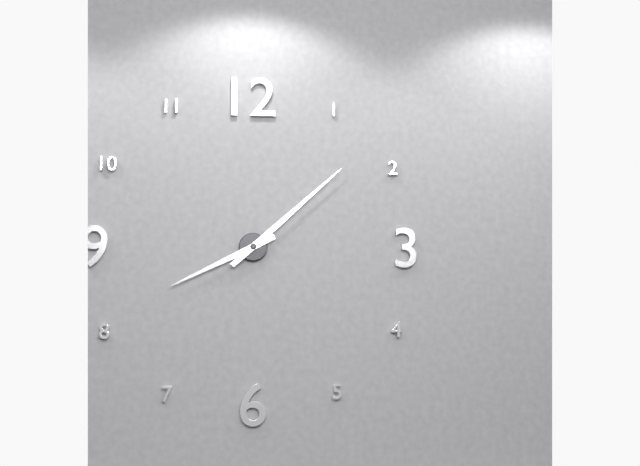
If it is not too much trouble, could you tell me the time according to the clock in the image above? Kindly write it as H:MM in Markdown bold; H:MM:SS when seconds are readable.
**8:08**
